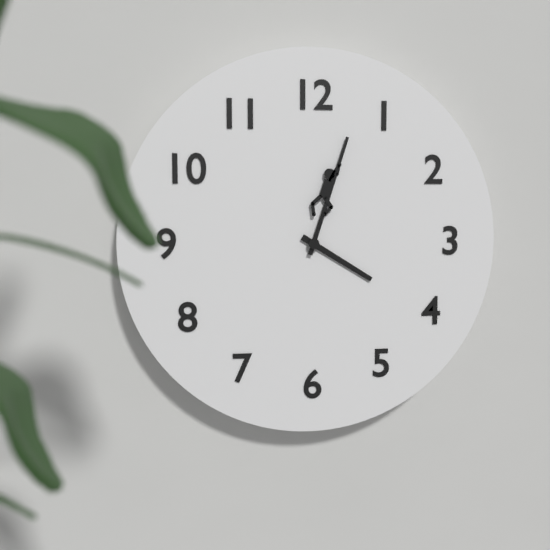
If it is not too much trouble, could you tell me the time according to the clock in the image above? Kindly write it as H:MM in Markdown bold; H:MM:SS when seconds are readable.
**4:03**
